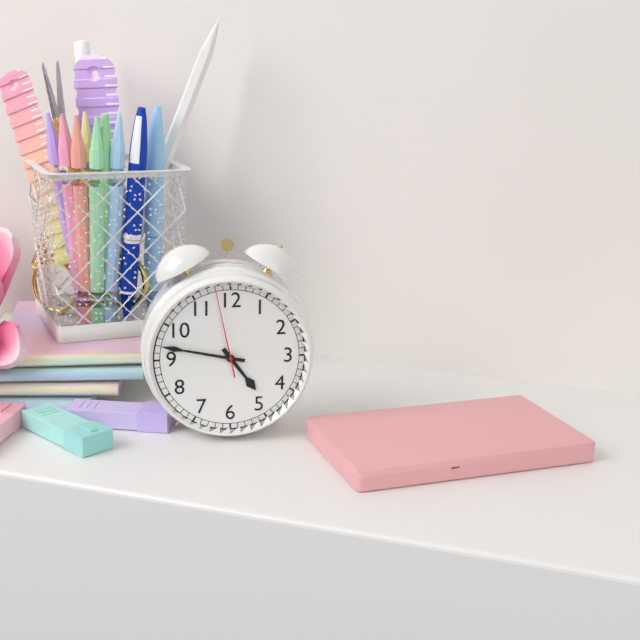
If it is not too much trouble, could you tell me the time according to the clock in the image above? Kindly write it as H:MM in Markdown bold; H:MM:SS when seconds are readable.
**4:47:58**
